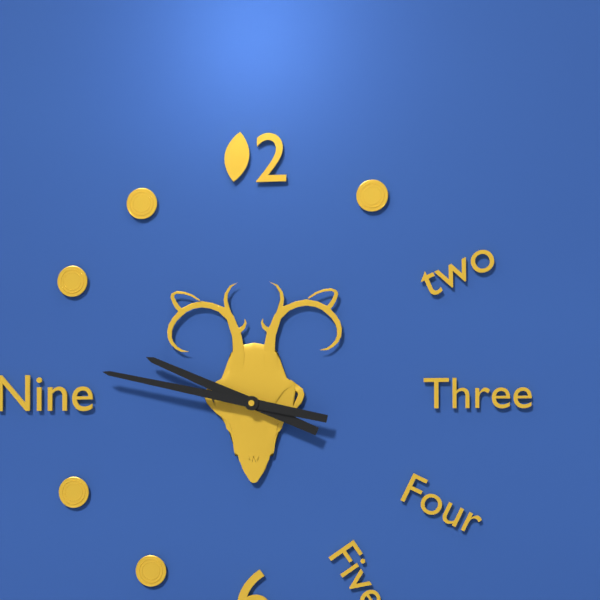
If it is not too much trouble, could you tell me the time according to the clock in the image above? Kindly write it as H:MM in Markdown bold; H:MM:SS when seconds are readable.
**9:47**
